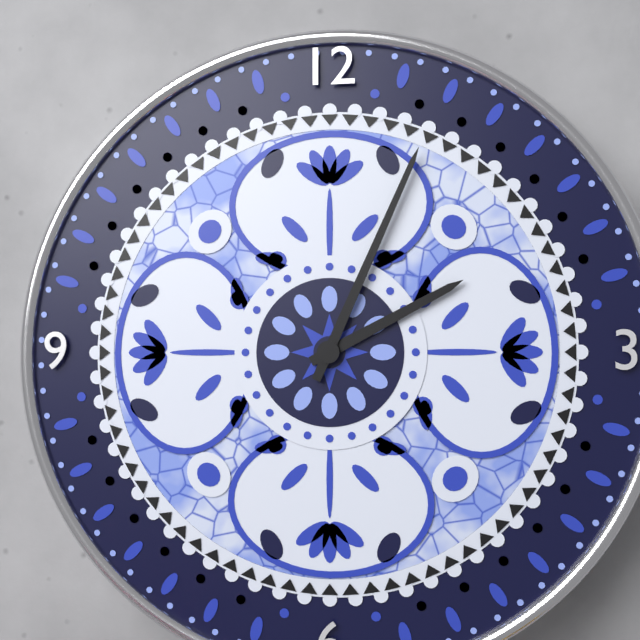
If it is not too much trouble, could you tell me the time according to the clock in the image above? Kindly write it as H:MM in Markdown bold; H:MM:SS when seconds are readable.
**2:04**
